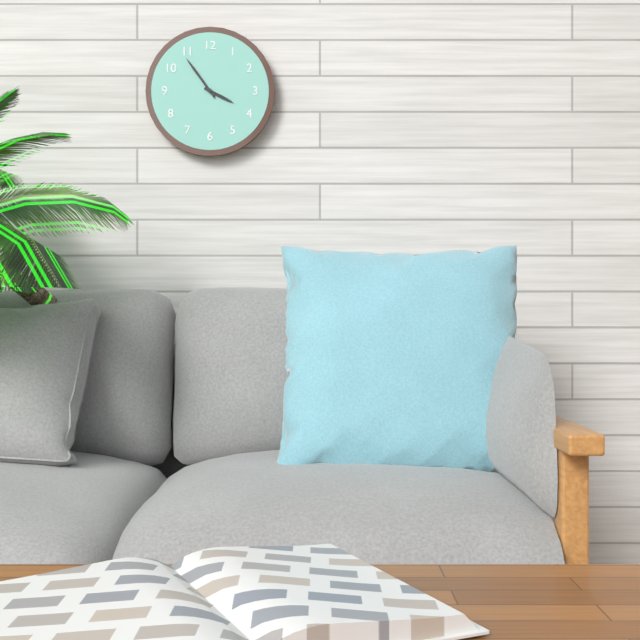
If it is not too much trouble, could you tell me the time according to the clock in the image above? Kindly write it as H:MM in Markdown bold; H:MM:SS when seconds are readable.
**3:54**
